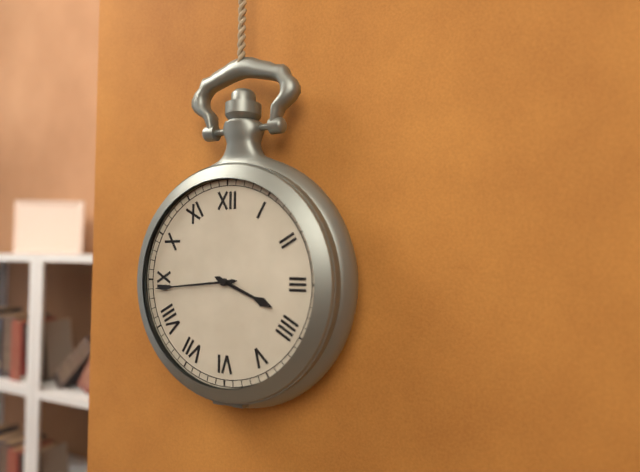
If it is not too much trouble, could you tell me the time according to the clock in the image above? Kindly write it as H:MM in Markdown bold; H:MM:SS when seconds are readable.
**3:44**
